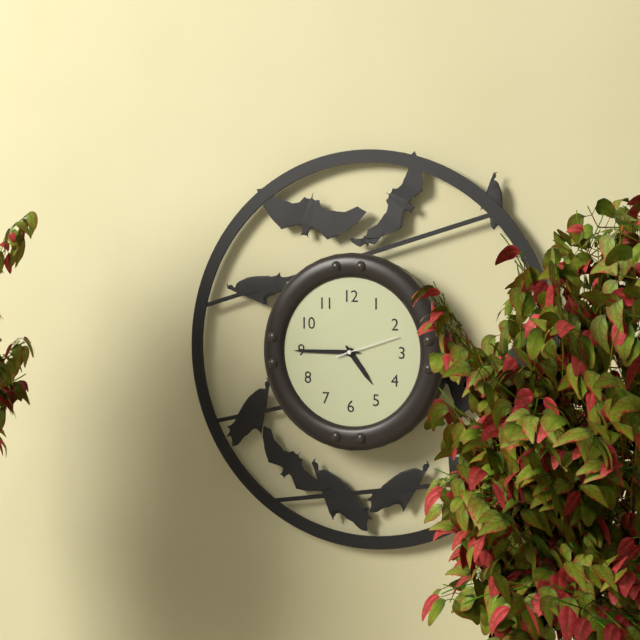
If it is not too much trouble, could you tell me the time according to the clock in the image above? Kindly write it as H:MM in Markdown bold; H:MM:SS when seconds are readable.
**4:45:12**
